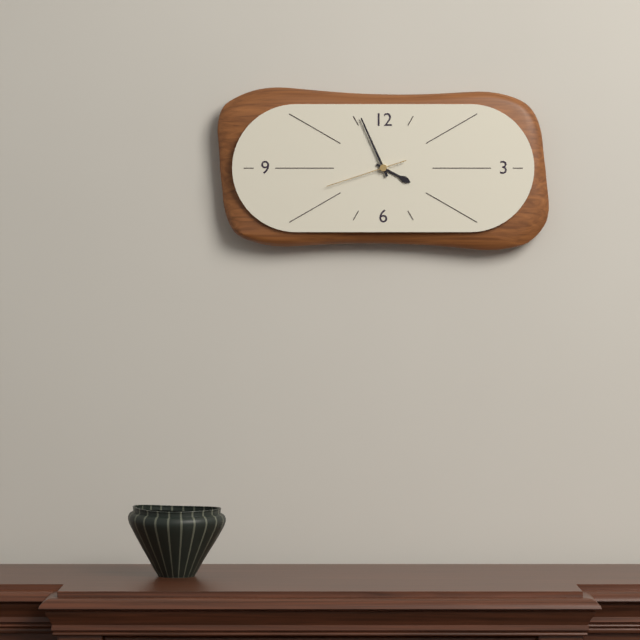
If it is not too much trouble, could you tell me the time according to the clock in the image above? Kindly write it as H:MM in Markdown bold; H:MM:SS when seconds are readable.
**3:56:42**
